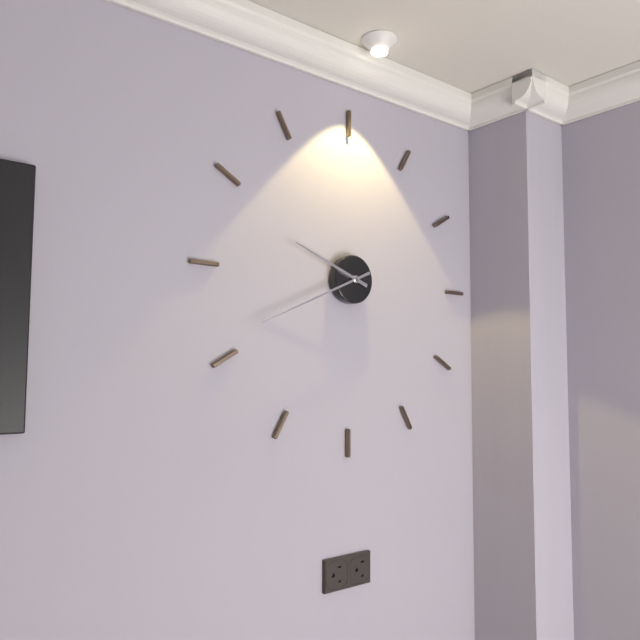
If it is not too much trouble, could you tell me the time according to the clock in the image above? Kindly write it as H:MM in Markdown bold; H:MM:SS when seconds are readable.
**9:41**
